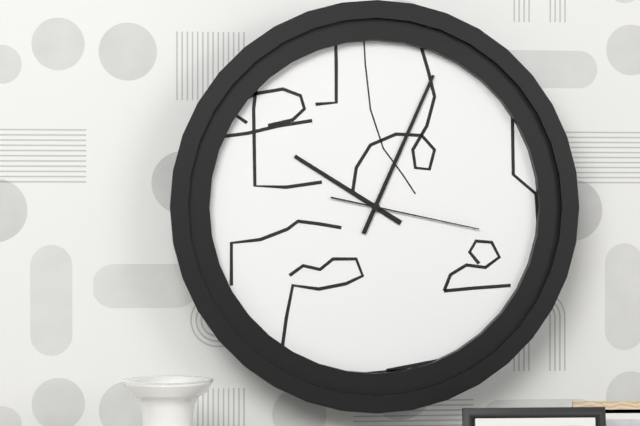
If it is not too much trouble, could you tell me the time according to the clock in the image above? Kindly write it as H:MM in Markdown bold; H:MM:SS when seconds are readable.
**10:04:17**
